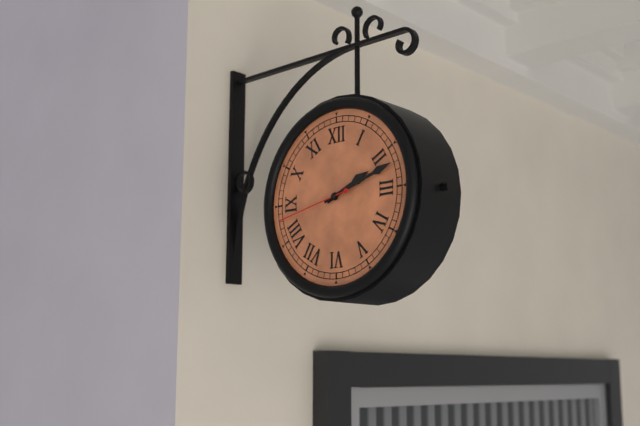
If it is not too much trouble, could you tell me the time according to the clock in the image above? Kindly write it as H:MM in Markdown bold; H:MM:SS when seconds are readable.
**2:12:43**
